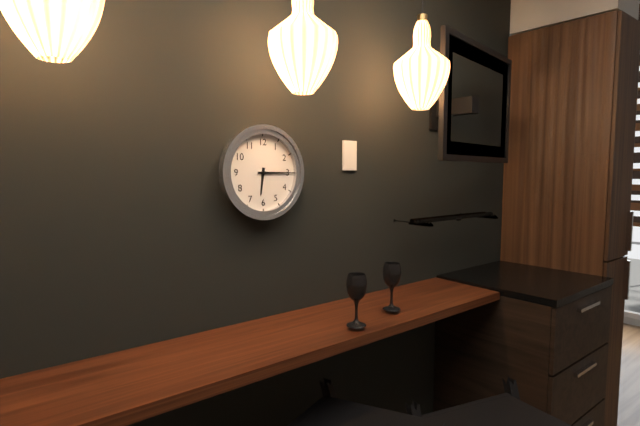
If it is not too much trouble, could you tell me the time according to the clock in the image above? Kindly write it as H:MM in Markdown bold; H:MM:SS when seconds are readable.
**6:15**
